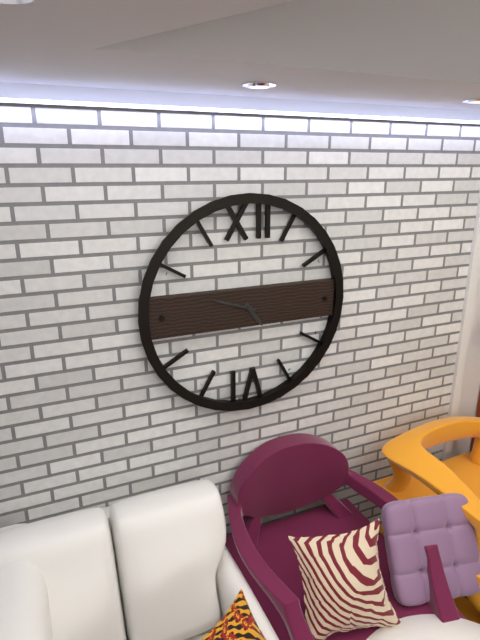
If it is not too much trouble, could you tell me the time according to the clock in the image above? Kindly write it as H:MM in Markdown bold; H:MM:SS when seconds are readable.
**4:48**
